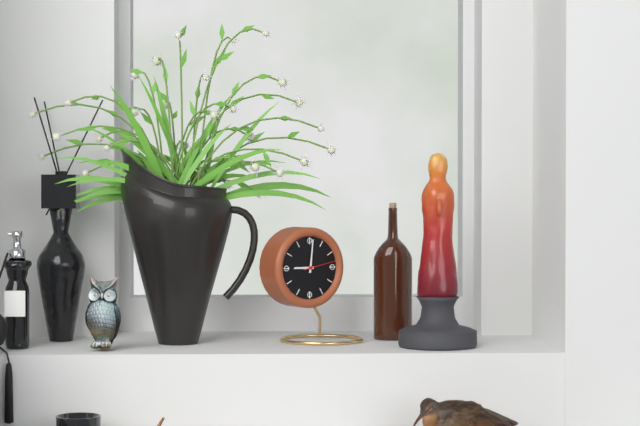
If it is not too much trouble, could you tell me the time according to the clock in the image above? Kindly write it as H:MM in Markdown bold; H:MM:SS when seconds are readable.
**9:01**
